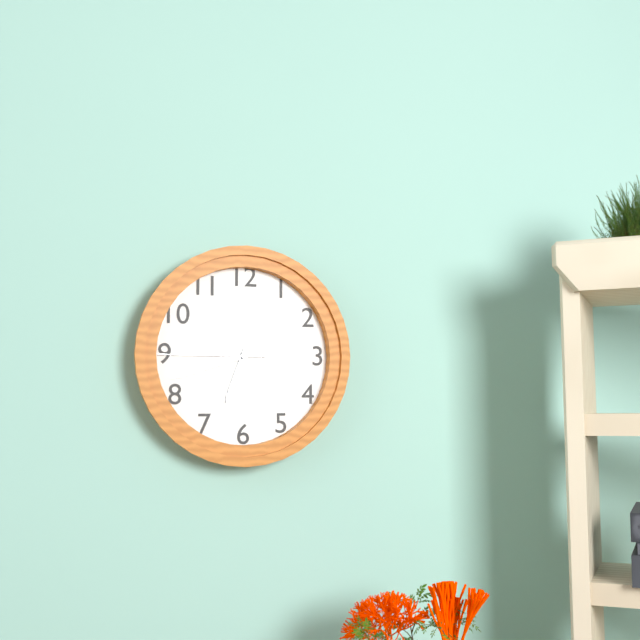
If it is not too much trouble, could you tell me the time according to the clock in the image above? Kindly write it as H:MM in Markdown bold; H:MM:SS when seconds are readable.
**6:42:45**
